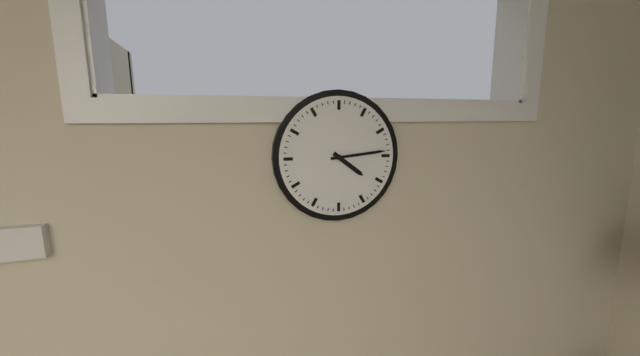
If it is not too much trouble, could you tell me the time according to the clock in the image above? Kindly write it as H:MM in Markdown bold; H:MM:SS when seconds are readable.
**4:14**
